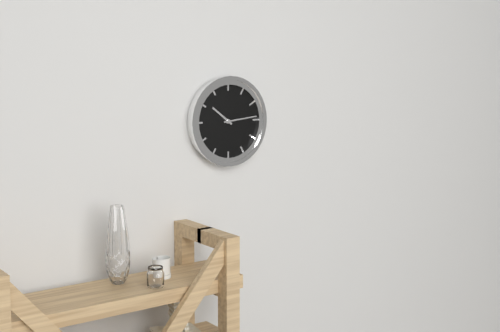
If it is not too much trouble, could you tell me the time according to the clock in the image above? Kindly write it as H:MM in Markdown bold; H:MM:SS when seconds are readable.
**10:14**
